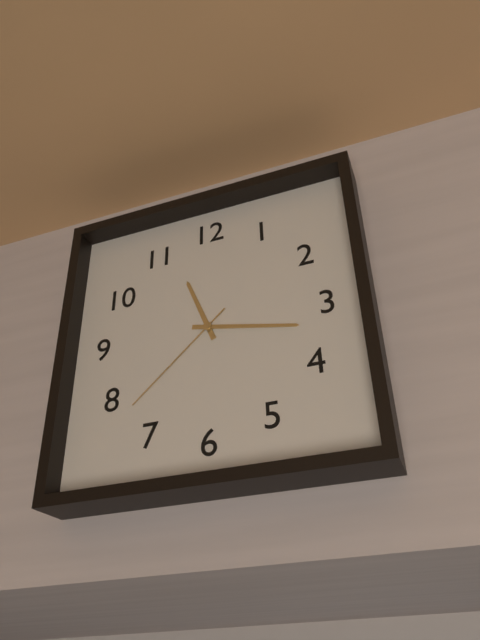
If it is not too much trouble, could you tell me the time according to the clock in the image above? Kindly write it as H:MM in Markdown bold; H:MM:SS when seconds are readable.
**11:17:38**
